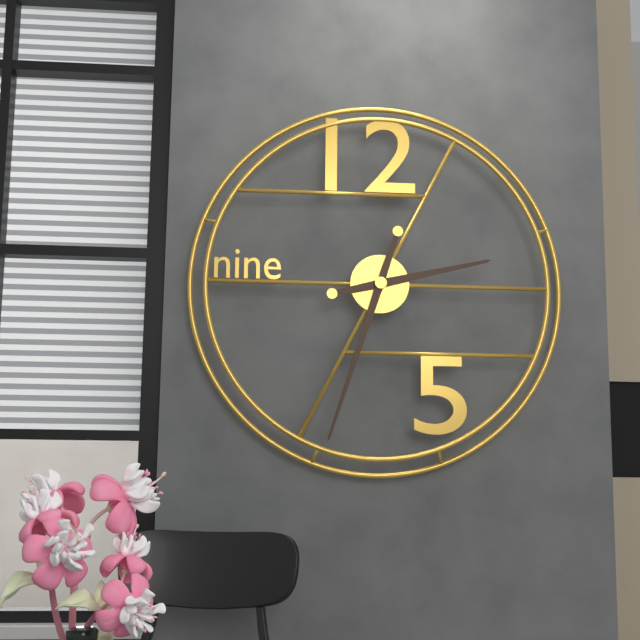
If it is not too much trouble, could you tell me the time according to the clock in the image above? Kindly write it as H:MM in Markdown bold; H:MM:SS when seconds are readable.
**2:33**
